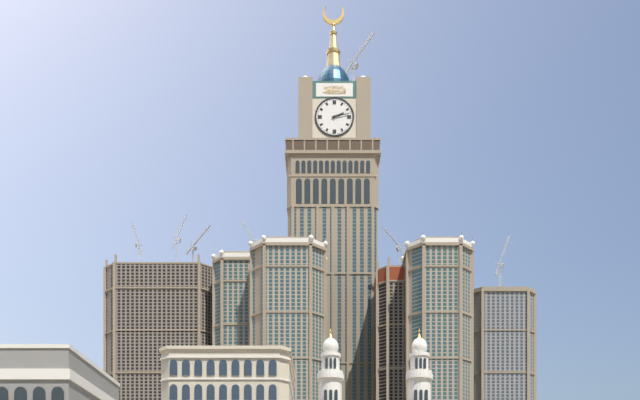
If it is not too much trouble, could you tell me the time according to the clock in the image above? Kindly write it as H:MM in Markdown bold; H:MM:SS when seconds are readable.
**2:13**
